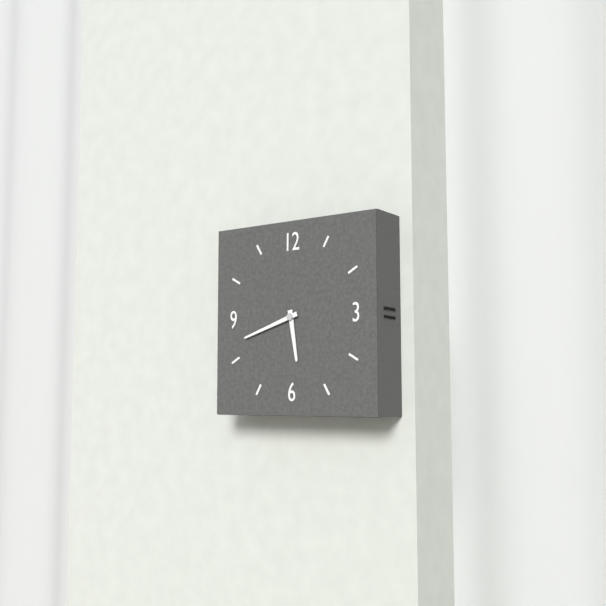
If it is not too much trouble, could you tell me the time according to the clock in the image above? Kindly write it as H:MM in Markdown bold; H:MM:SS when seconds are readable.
**5:42**
